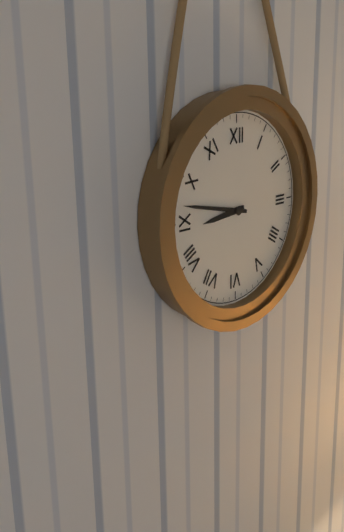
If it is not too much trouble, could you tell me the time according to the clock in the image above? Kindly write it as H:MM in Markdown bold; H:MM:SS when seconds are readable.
**8:47**
